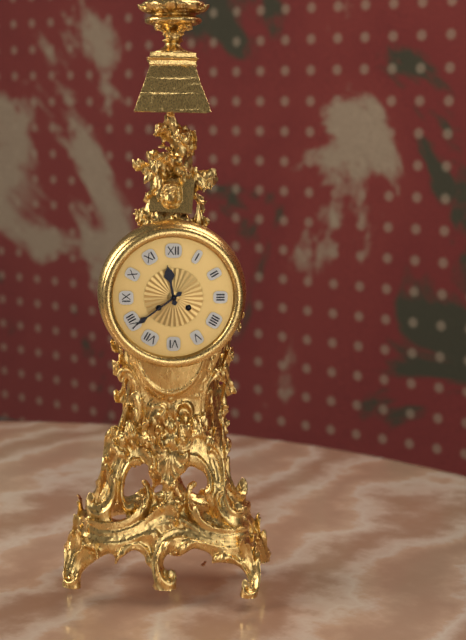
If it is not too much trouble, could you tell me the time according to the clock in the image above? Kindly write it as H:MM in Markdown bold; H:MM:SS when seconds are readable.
**11:39**
